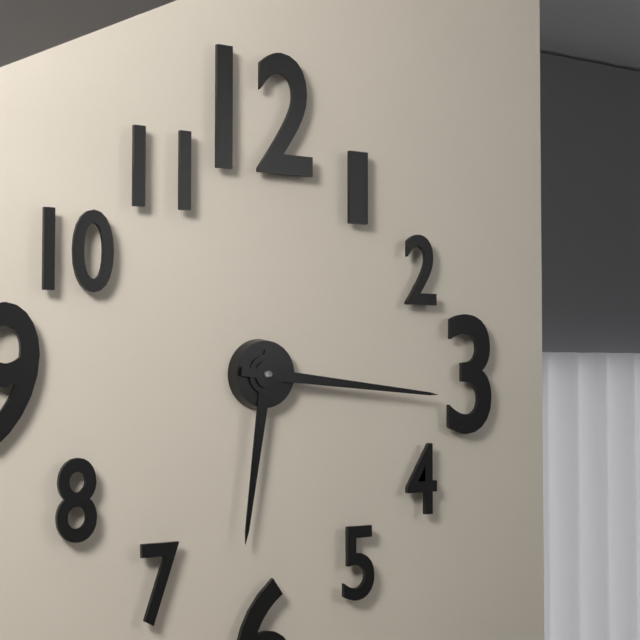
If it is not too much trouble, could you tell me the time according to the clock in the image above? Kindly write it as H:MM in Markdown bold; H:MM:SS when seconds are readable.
**6:16**
